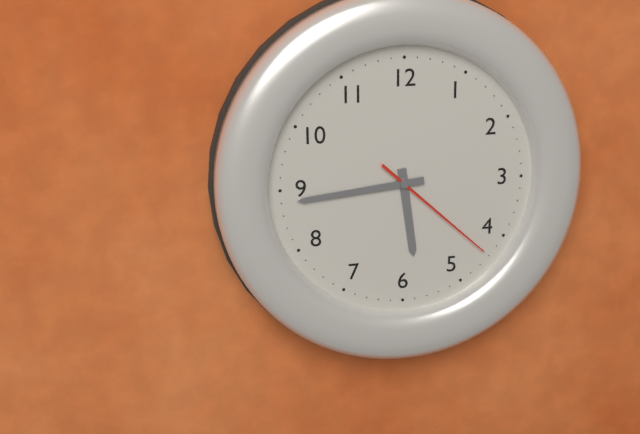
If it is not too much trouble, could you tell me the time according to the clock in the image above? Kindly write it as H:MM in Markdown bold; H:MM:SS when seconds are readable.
**5:44:22**
